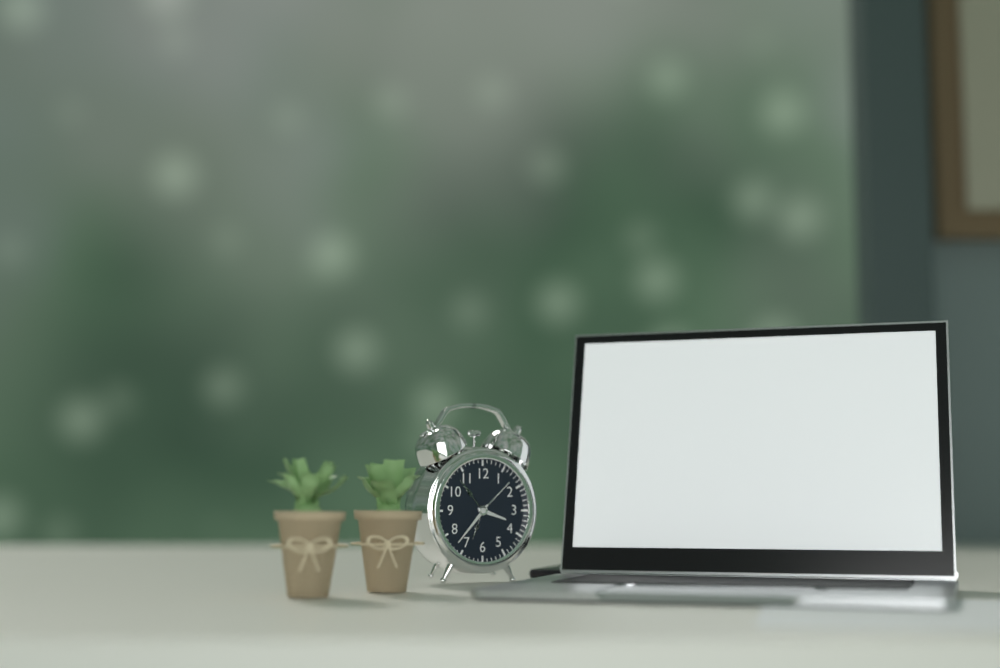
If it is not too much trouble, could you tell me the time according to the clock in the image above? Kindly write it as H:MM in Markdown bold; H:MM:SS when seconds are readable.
**3:37**
